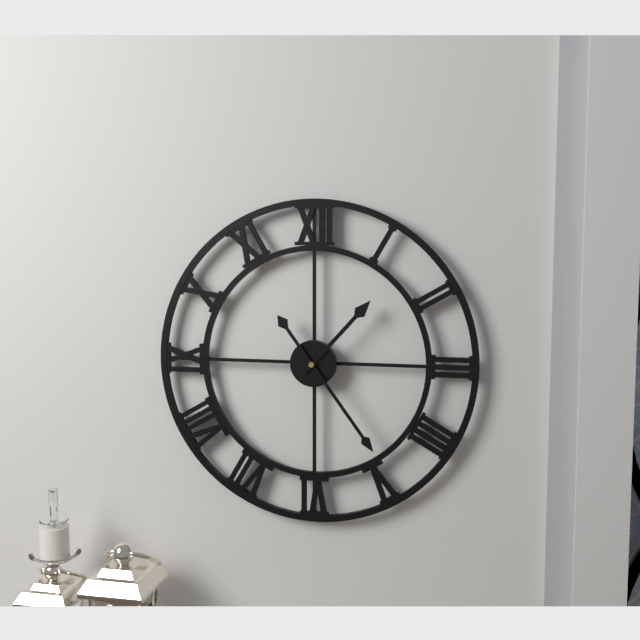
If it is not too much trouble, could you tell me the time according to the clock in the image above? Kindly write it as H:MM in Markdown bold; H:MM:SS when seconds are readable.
**1:24**
